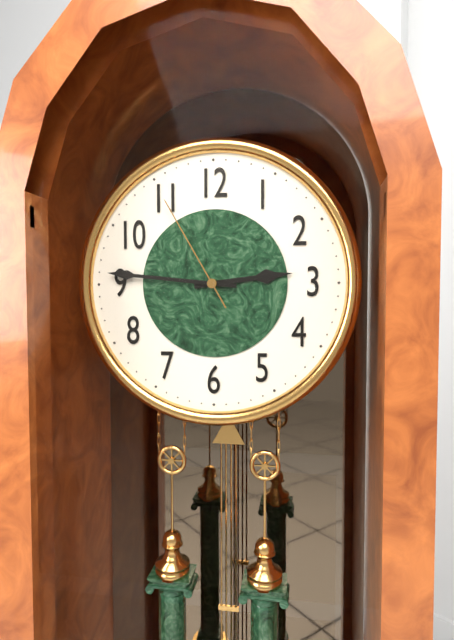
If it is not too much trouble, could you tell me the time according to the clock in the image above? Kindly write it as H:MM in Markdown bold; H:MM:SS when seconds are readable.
**2:46:55**
